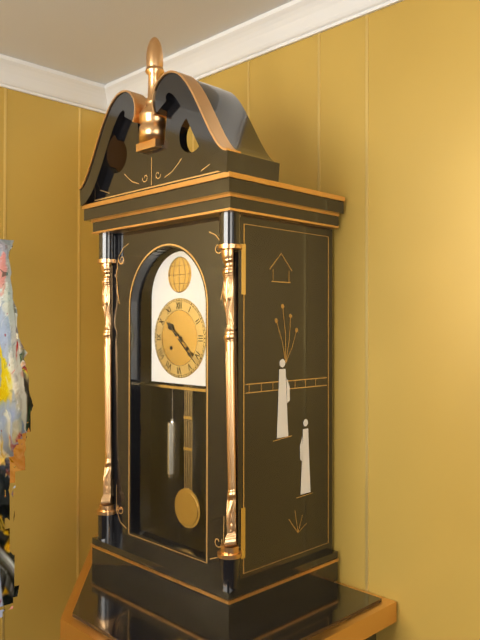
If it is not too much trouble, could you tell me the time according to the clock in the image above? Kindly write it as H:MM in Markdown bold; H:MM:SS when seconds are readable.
**10:22**
